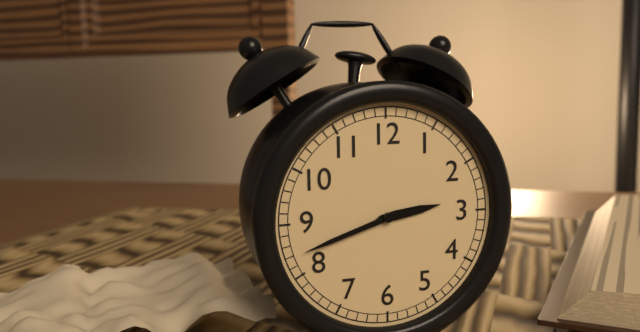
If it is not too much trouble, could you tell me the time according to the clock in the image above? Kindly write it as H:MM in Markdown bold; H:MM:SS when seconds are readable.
**2:42**
